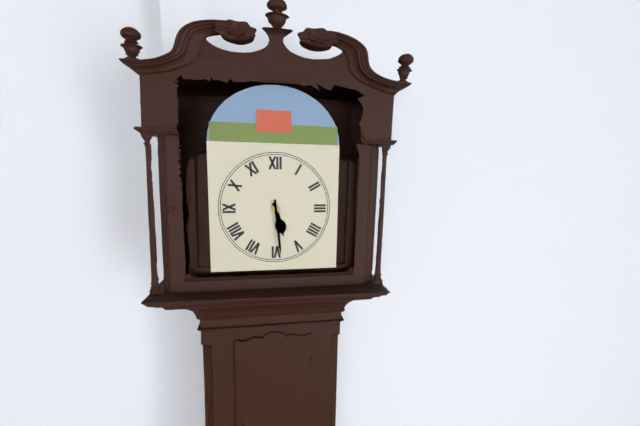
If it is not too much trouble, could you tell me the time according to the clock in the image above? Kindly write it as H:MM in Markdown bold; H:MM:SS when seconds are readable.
**5:29**
